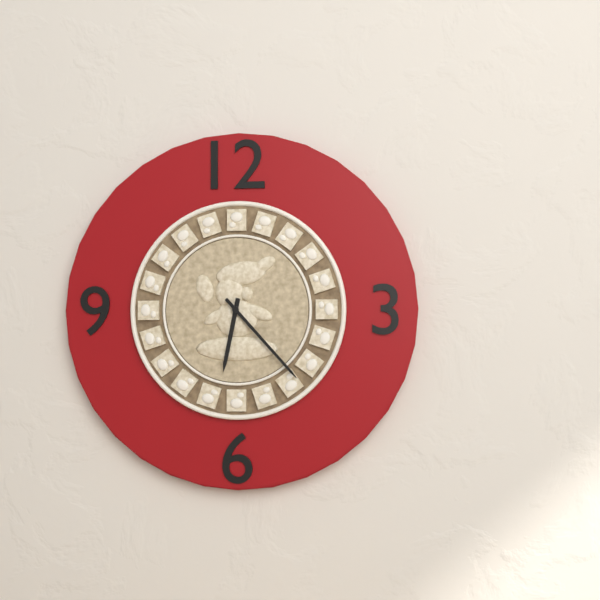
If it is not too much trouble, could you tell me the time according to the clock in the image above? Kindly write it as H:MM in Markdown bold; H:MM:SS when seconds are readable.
**6:23**
